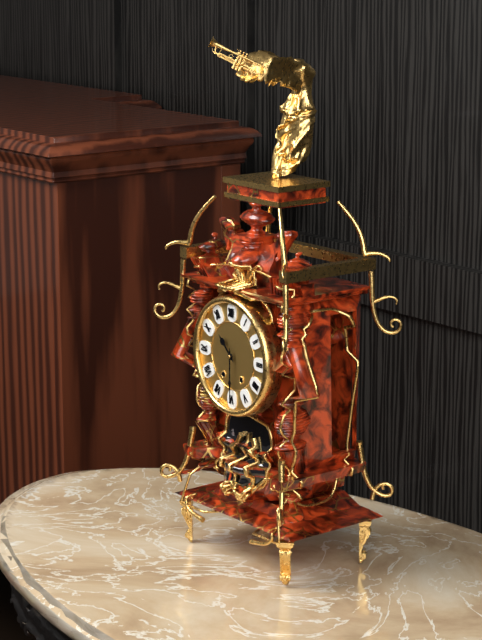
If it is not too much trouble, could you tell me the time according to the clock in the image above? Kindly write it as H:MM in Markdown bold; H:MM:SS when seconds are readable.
**10:30**
